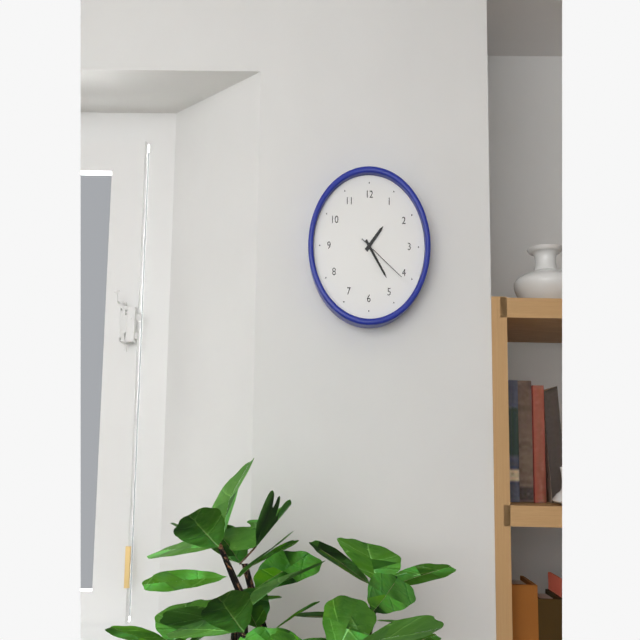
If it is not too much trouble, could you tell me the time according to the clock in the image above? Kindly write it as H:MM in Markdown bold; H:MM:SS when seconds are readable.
**1:24:21**
